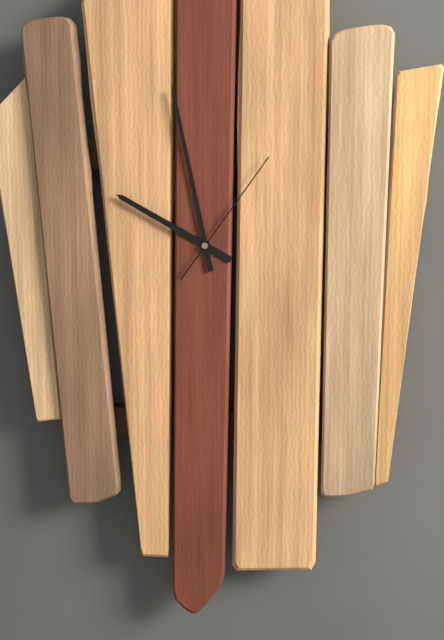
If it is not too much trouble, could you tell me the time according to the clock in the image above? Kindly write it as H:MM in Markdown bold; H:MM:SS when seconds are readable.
**9:58:06**
